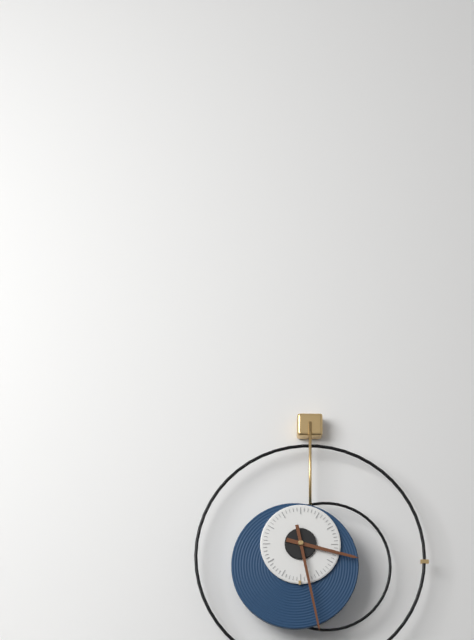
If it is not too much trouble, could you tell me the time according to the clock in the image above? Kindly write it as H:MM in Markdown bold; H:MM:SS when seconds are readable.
**3:28**
